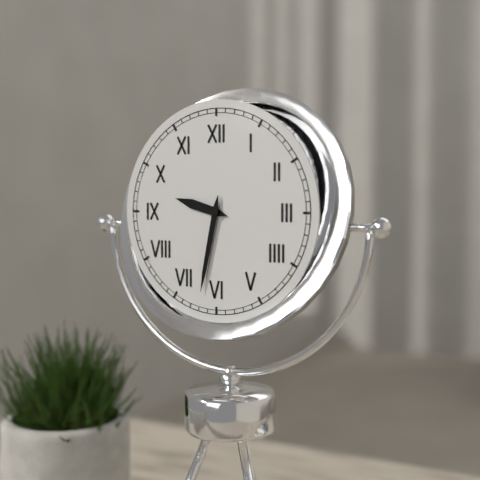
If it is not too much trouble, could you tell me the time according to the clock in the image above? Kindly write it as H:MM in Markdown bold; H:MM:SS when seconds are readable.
**9:32**
